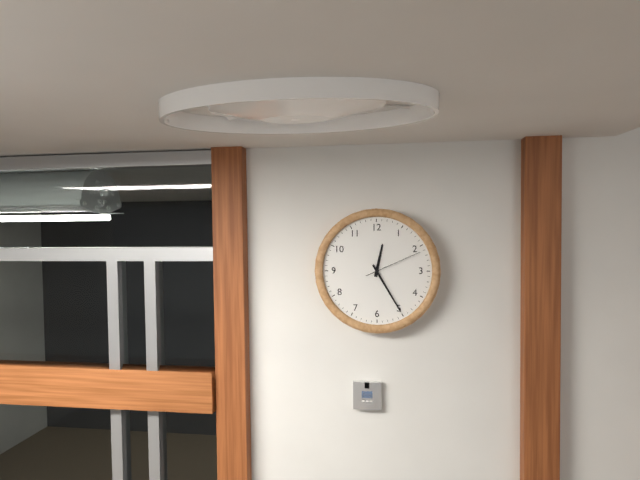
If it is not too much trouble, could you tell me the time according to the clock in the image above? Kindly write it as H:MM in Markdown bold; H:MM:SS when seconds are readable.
**12:25:11**
